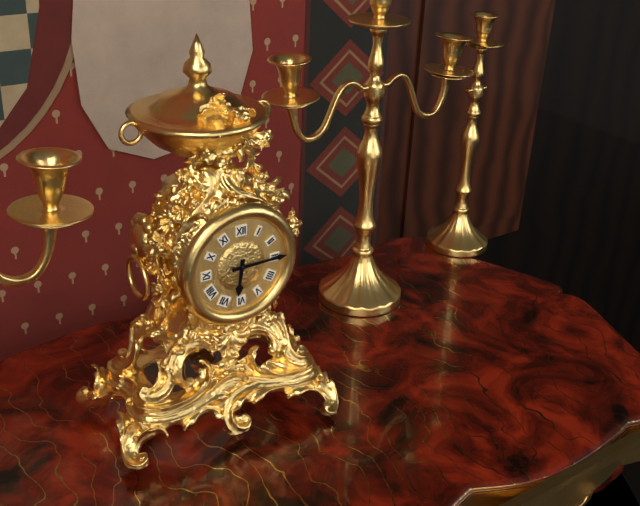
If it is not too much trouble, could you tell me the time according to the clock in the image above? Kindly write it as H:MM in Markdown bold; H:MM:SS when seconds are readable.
**6:15**
